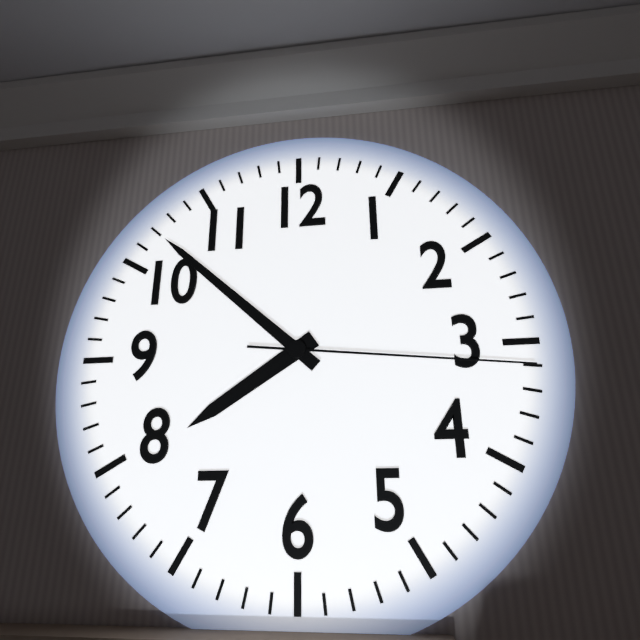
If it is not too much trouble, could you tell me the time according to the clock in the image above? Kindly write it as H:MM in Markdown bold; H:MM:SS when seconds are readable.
**7:52:16**
